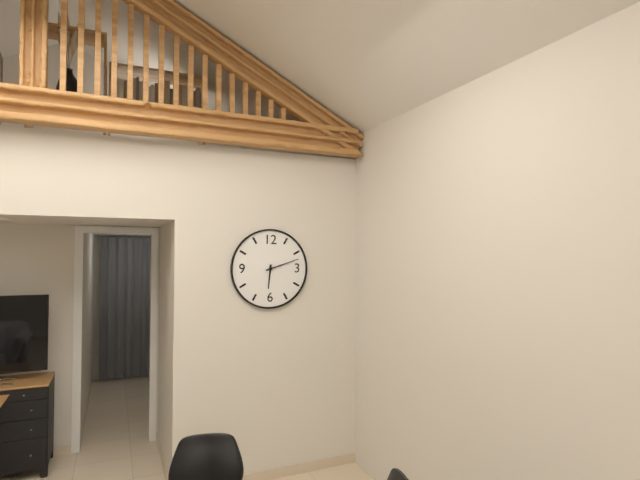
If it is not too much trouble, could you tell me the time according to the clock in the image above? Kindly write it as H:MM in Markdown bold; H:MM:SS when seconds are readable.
**6:12**
